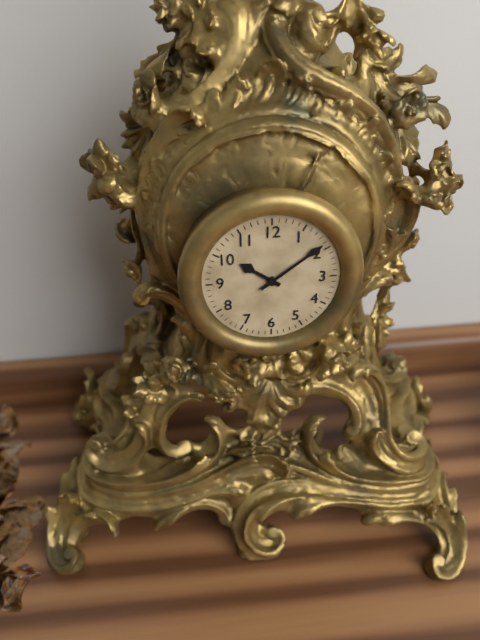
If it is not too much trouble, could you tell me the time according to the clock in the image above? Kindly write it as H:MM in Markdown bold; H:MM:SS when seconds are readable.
**10:09**
